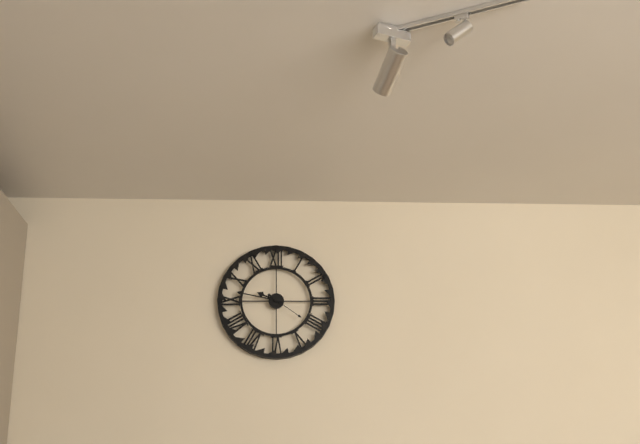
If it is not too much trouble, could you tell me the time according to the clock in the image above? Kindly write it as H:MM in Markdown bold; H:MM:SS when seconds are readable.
**9:47**
